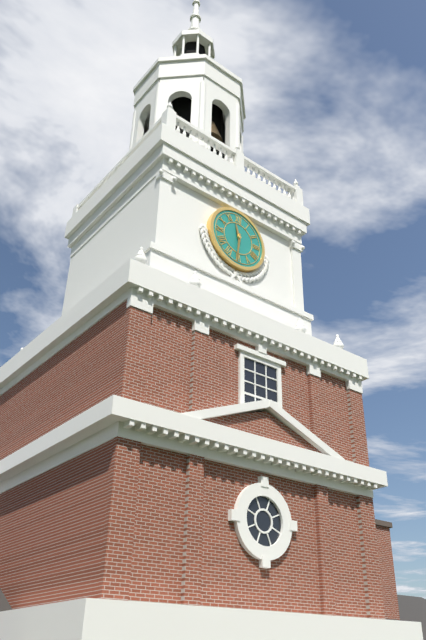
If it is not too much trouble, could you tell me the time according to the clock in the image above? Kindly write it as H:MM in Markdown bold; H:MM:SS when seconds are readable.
**11:31**
